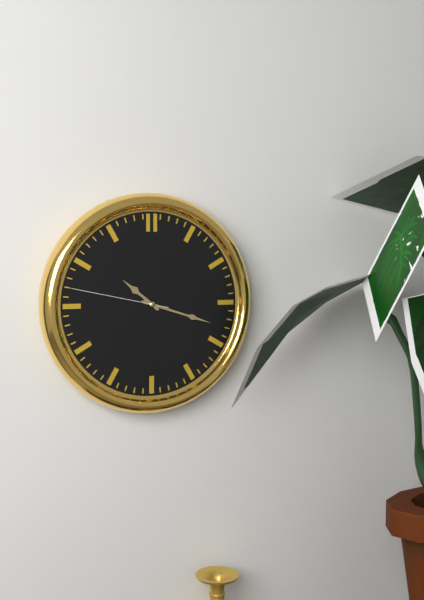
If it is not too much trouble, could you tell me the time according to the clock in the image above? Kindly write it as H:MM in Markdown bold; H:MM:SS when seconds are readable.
**10:18:47**
